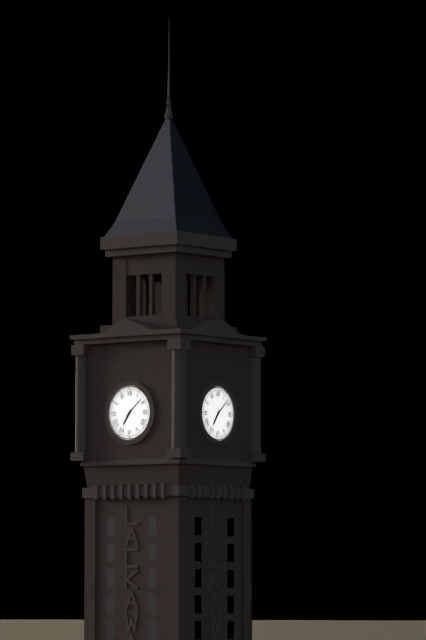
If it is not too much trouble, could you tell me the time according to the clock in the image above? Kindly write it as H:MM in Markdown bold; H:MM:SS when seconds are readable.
**7:08**
